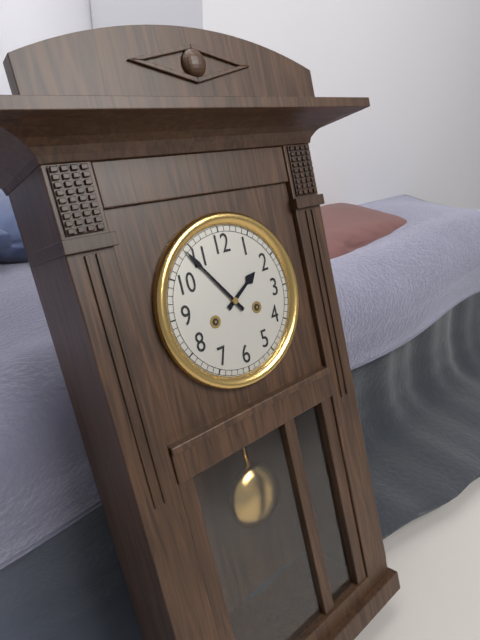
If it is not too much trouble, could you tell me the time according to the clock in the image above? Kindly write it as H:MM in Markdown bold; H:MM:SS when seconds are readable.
**1:54**
